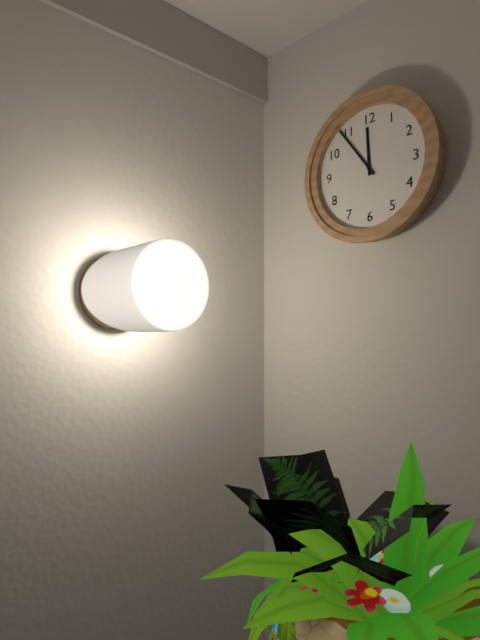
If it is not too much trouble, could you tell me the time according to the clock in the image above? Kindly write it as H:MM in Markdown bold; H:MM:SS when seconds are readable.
**11:54**
